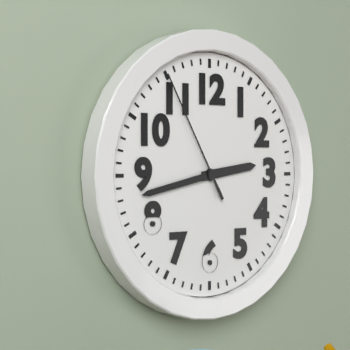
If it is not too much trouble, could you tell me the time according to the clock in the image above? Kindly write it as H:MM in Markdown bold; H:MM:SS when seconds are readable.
**2:43:55**
